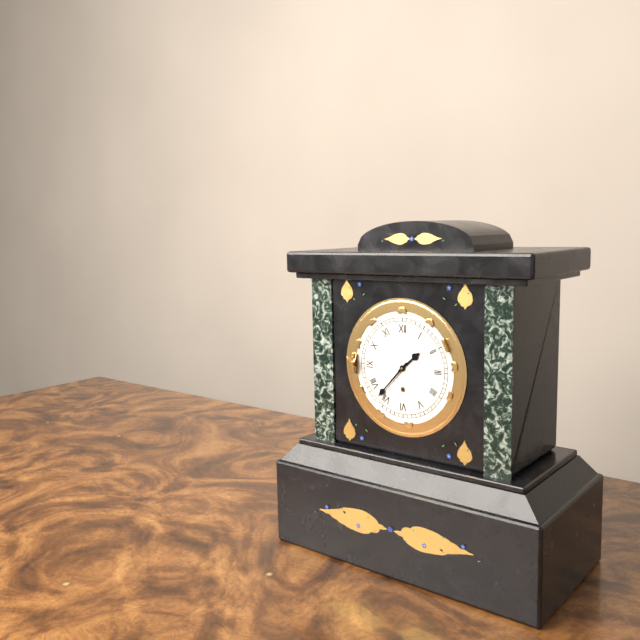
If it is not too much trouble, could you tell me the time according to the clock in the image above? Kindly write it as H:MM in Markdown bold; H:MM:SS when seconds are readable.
**1:37**
